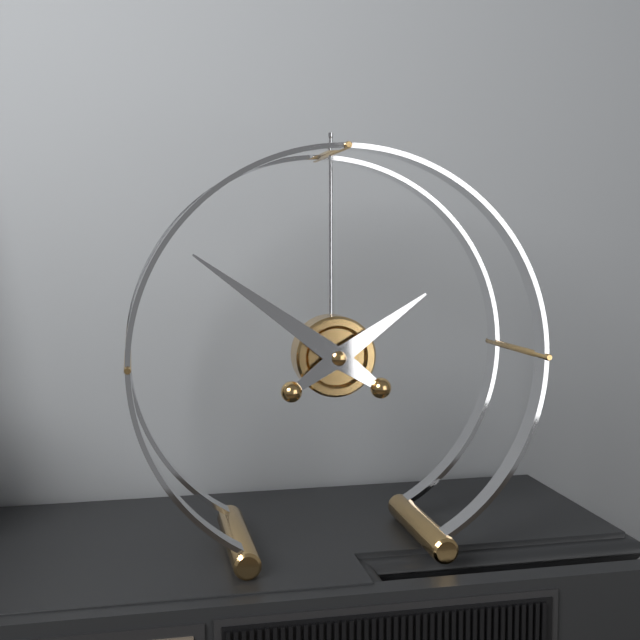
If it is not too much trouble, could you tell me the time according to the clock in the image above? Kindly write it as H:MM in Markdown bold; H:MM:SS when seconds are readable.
**1:51**
